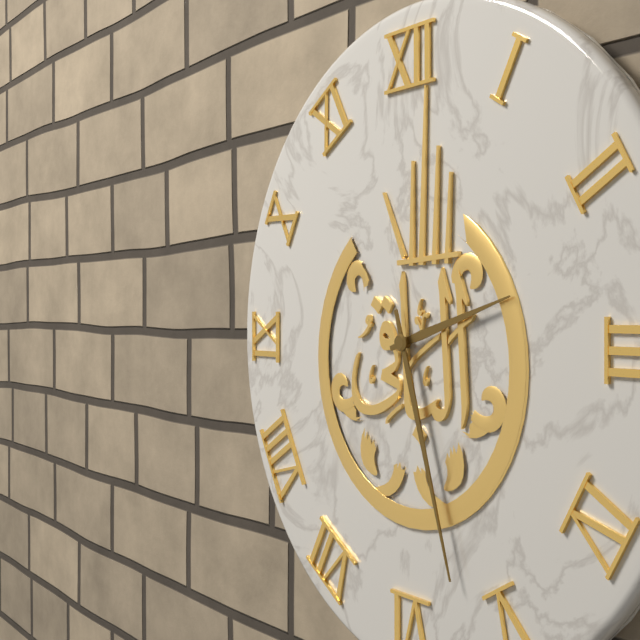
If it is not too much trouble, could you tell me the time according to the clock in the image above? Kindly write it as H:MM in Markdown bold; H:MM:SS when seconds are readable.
**2:27**
